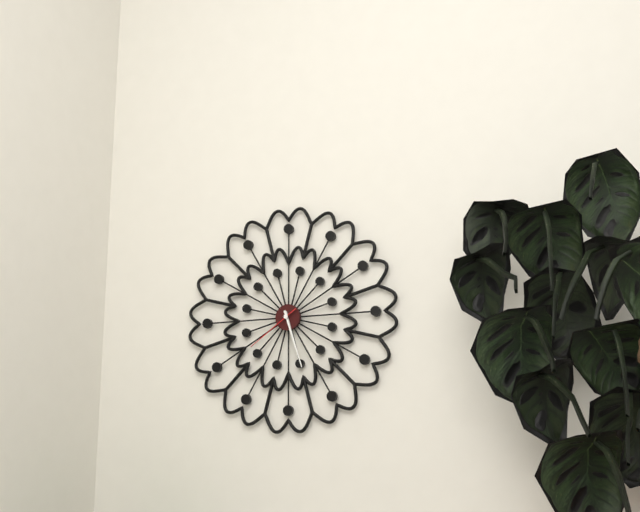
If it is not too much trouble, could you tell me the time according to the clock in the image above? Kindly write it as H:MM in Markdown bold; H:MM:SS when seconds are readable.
**5:27:39**
